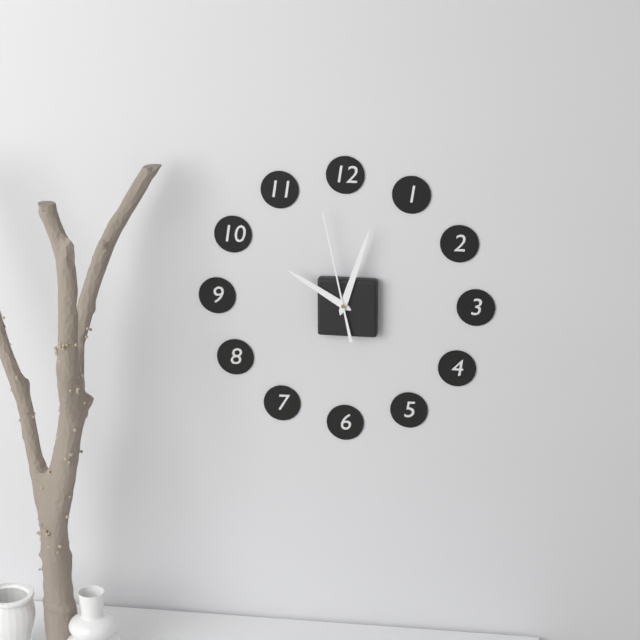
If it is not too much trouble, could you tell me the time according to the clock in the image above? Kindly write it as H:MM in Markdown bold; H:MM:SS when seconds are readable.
**10:03:58**
